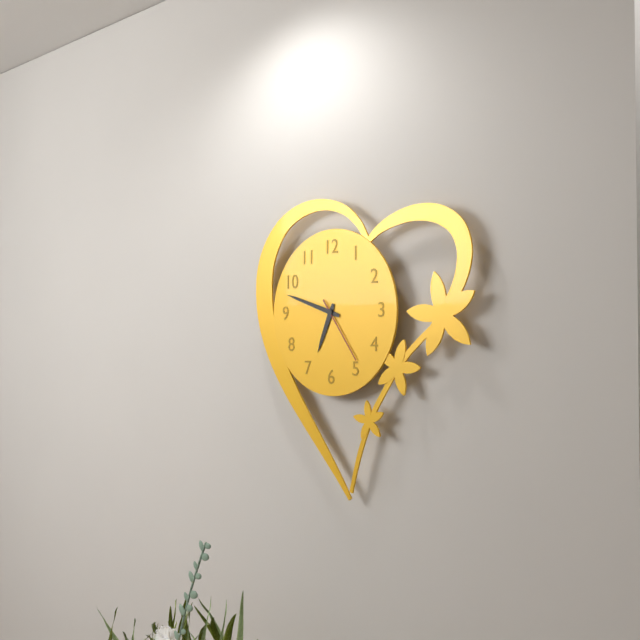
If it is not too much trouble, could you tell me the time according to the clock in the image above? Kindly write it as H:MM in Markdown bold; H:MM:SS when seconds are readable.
**6:48:24**
